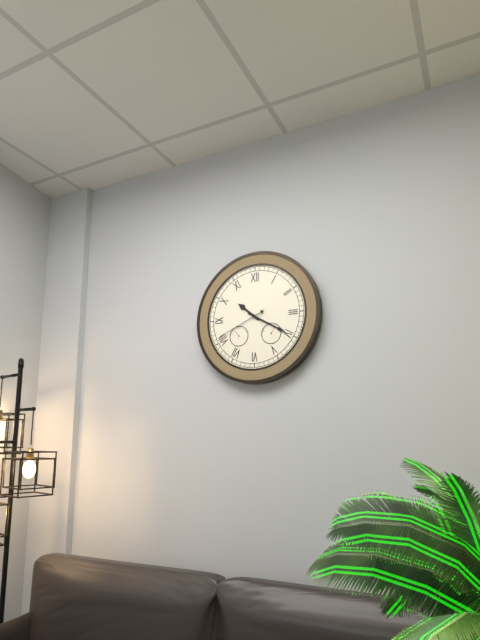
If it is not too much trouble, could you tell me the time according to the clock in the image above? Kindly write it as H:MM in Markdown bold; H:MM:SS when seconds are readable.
**10:20:41**
